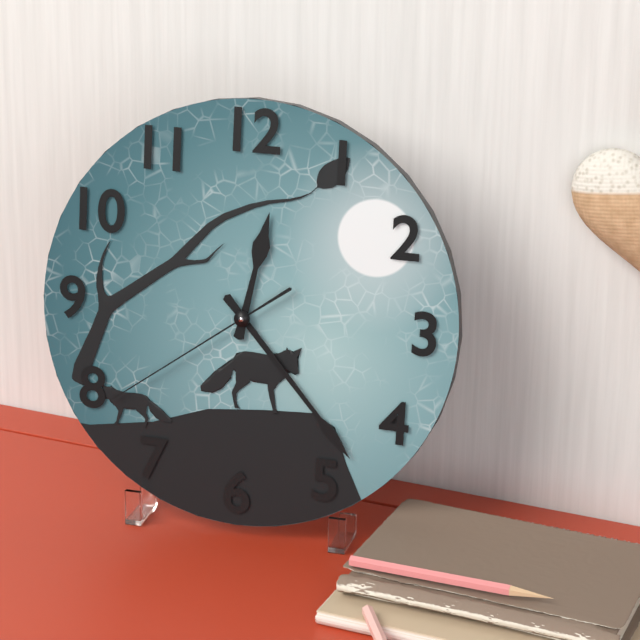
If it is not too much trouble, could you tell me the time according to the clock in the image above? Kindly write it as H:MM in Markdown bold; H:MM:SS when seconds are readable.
**12:23:39**
